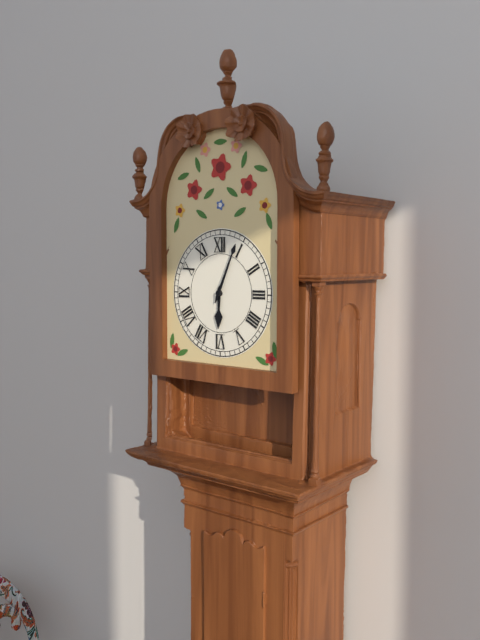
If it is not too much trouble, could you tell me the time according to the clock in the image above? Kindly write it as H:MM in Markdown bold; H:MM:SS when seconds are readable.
**6:04**
